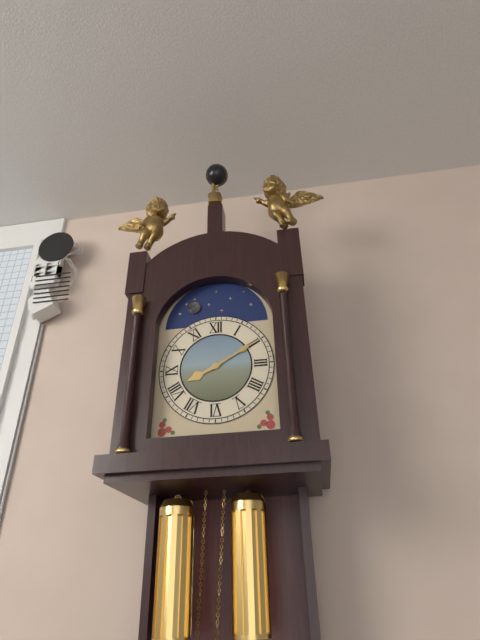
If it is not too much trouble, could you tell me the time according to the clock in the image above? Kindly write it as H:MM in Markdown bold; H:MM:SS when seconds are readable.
**8:10**
